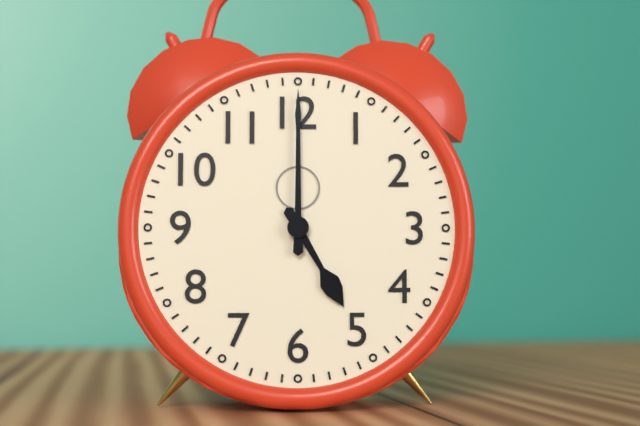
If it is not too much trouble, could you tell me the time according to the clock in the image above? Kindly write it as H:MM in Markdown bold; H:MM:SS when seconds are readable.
**5:00**
